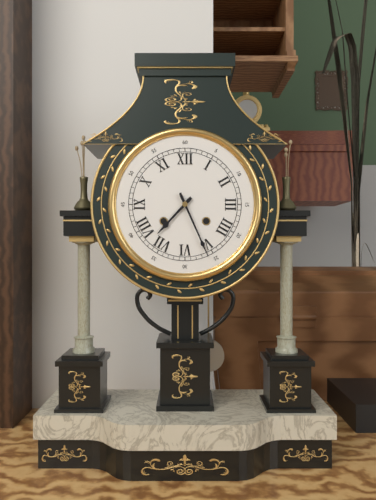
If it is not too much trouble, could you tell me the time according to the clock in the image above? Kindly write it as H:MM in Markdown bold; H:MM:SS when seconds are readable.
**7:26**
